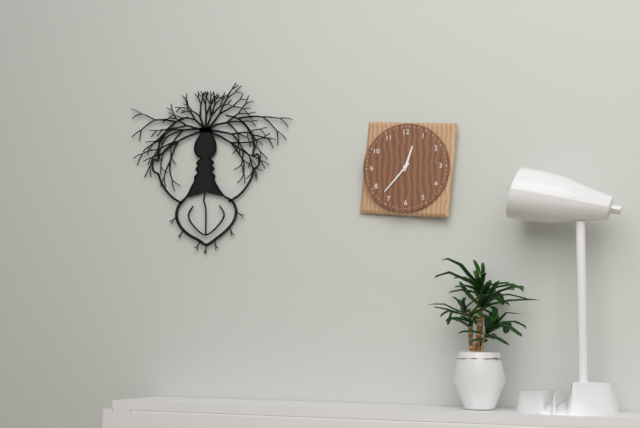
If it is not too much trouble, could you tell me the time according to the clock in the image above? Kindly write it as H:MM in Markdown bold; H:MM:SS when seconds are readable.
**12:37**
